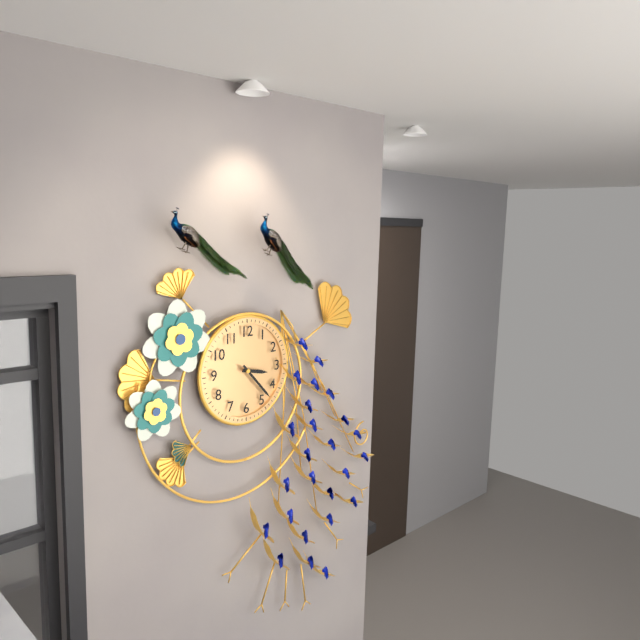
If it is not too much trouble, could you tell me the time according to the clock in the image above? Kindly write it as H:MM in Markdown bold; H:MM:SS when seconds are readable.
**3:23**
